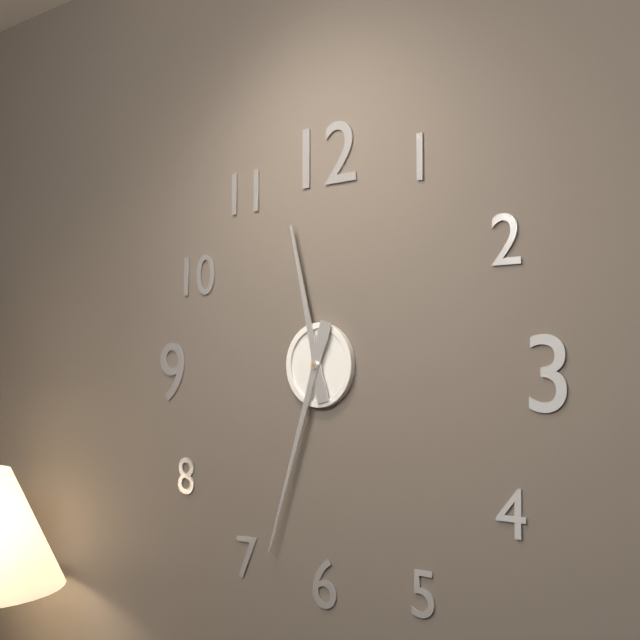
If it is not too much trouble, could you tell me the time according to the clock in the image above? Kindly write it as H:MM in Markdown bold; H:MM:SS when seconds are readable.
**11:33**
